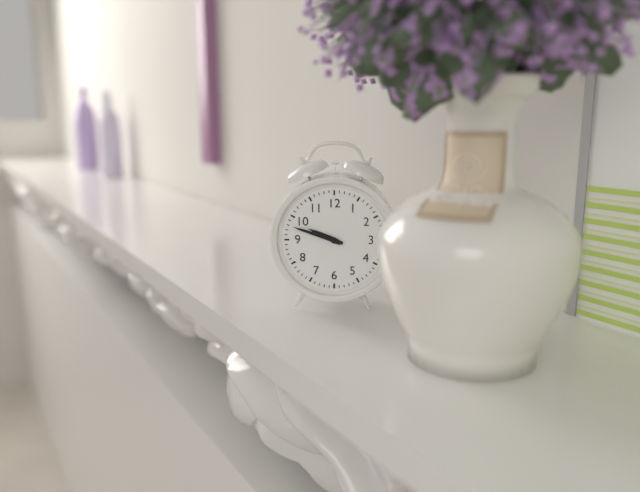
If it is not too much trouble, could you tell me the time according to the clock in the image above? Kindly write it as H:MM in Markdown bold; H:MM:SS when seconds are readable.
**9:48**
